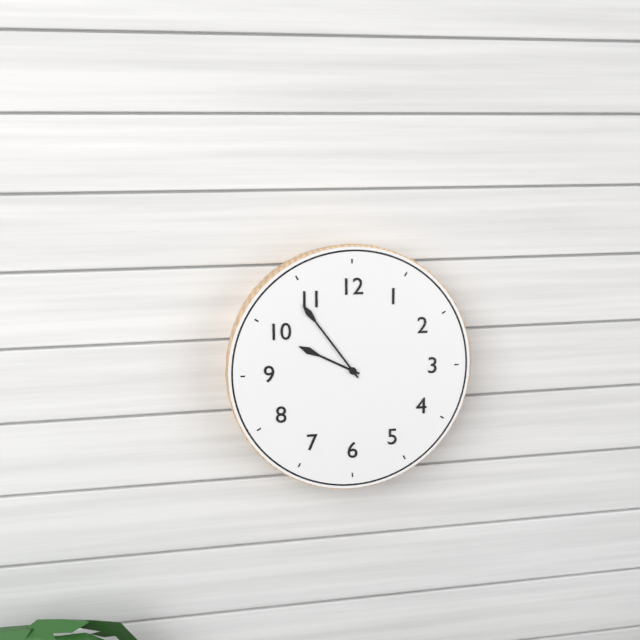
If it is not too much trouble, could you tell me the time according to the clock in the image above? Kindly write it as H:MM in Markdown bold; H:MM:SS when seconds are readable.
**9:54**
